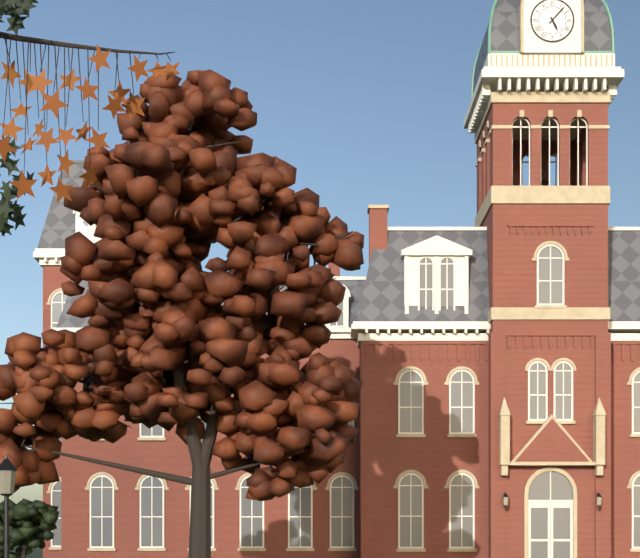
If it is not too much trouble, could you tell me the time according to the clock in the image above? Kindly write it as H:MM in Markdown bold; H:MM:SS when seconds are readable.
**5:07**
